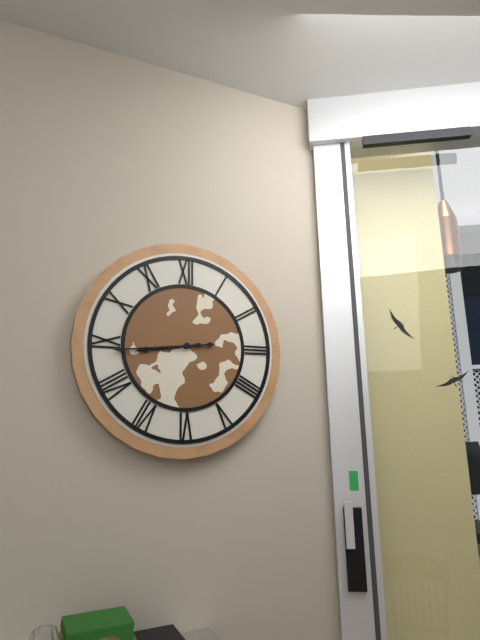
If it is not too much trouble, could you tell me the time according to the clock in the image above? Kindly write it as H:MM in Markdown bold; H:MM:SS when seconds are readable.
**8:44**
